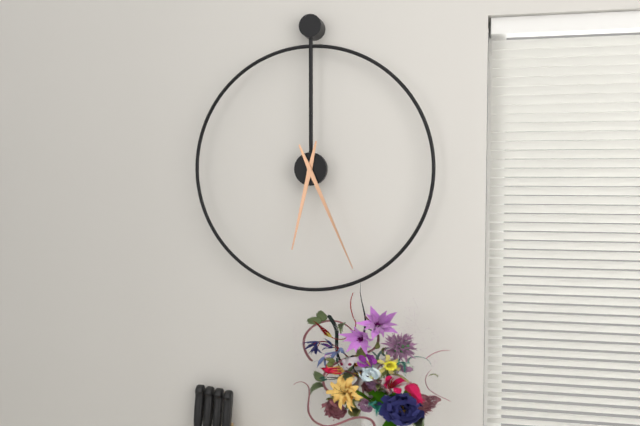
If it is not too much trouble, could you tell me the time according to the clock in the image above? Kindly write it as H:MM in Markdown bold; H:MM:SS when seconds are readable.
**6:26**
